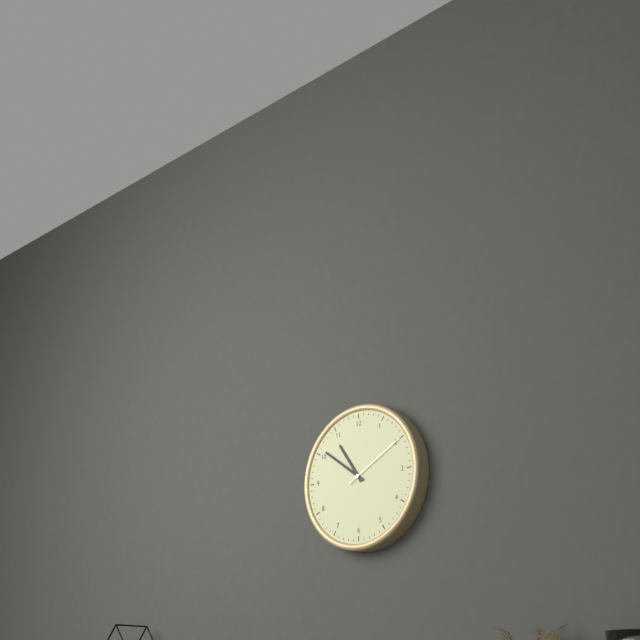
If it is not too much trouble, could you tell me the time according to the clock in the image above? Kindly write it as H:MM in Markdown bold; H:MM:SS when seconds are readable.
**10:51:10**
